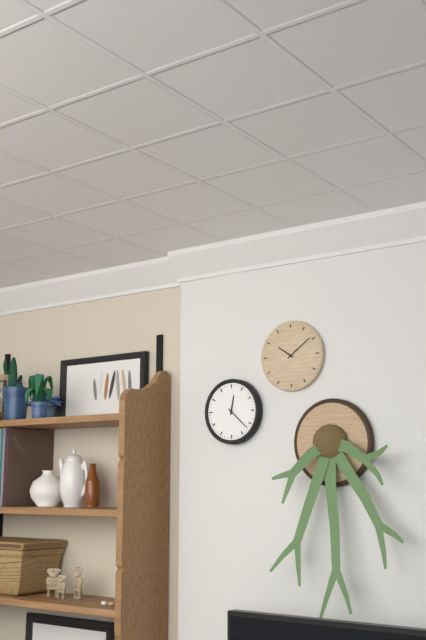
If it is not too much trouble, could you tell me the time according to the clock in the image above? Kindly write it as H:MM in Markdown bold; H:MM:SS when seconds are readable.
**12:22**
